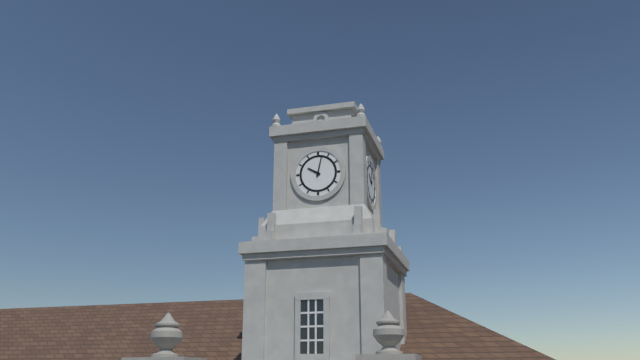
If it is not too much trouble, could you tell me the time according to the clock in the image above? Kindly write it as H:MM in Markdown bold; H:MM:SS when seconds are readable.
**10:02**
